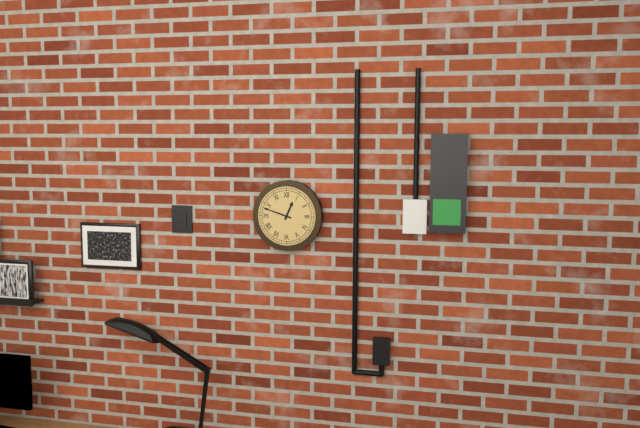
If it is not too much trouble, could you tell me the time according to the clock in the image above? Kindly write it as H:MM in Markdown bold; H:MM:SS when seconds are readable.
**12:48**
